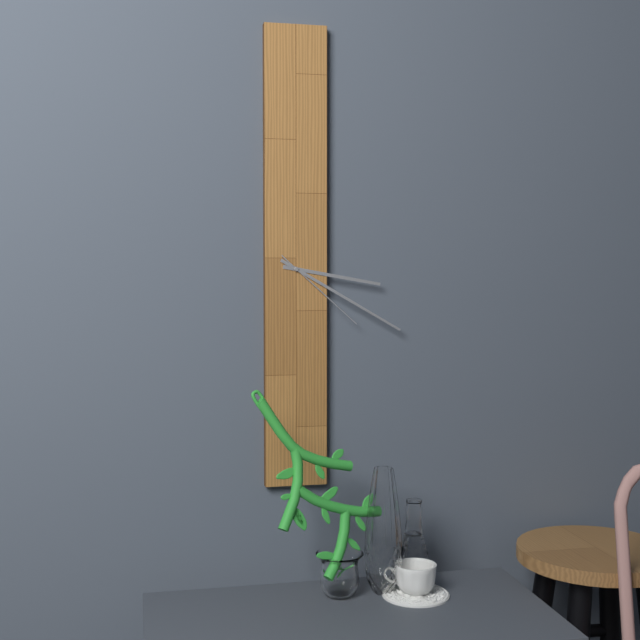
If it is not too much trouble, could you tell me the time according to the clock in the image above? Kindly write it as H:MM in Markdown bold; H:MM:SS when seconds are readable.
**3:20:22**
